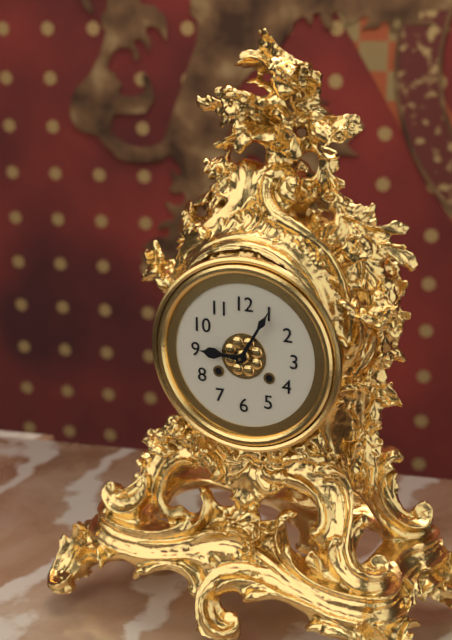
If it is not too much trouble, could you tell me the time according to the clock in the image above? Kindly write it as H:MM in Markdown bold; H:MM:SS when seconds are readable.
**9:05**
